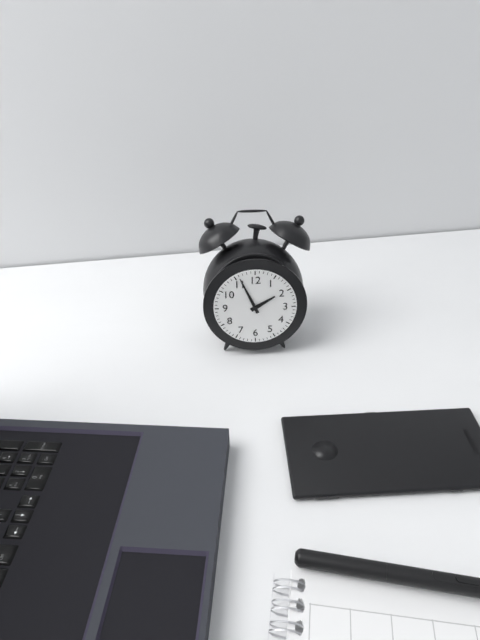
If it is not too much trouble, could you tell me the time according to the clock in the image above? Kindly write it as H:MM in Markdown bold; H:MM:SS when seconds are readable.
**1:56**
